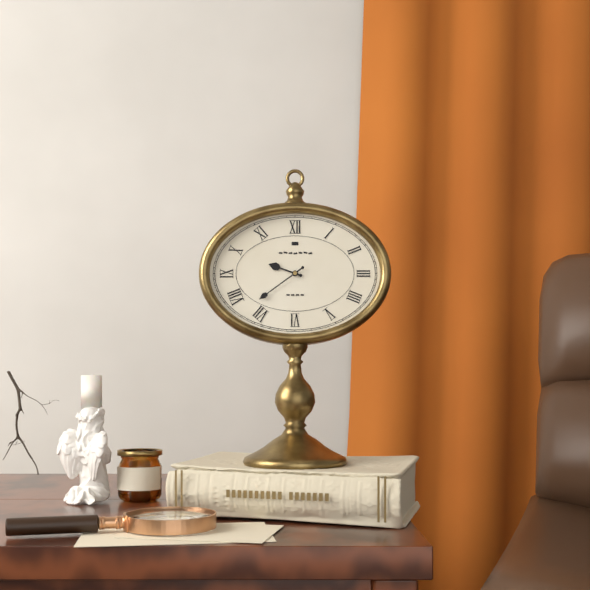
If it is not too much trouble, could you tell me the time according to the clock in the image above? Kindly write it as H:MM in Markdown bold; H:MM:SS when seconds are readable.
**9:39**
